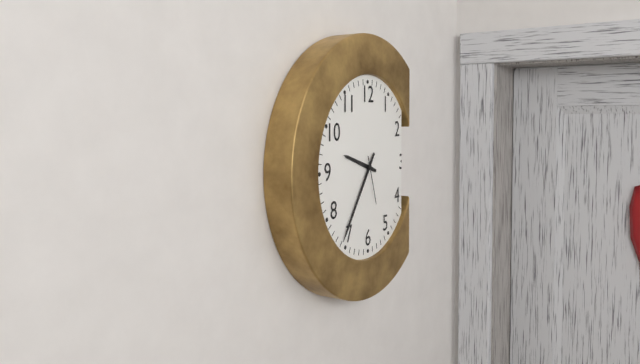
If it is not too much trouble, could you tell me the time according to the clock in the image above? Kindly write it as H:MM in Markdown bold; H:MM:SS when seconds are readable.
**9:36**
